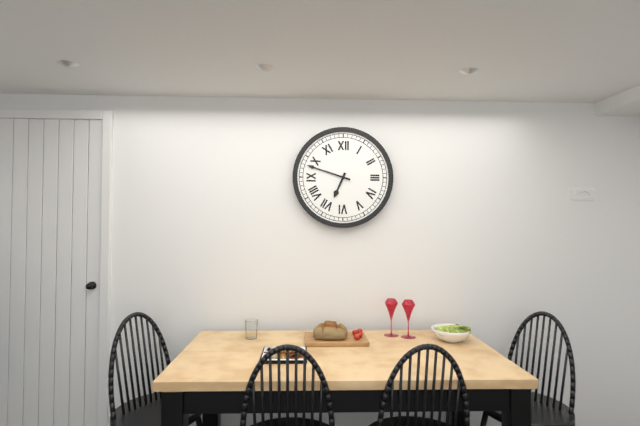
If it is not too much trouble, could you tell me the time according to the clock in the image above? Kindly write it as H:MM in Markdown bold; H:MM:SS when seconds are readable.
**6:48**
